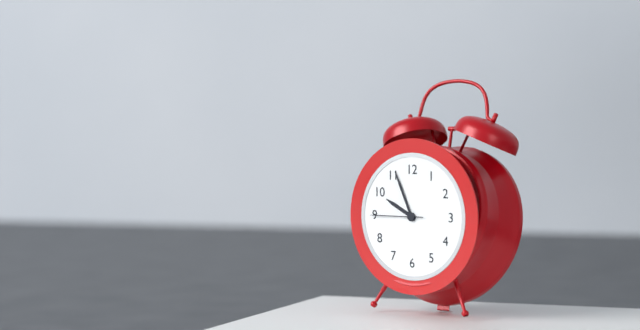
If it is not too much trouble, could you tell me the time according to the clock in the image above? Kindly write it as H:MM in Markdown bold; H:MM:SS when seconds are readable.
**9:56:45**
